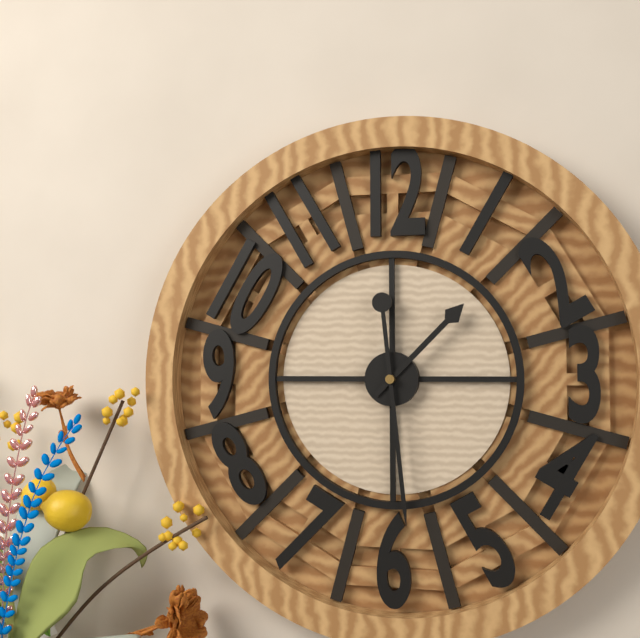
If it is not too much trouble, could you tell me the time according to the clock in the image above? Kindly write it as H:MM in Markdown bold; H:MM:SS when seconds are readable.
**1:29**
